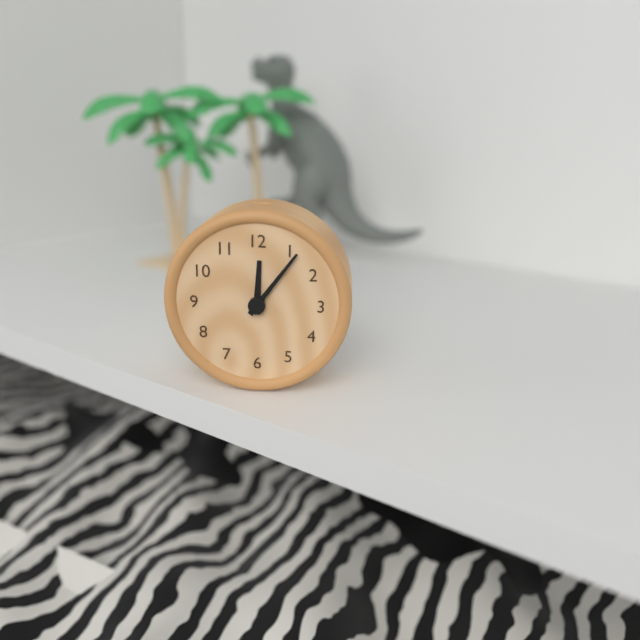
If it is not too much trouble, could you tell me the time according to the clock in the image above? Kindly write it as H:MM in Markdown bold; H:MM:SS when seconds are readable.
**12:06**
